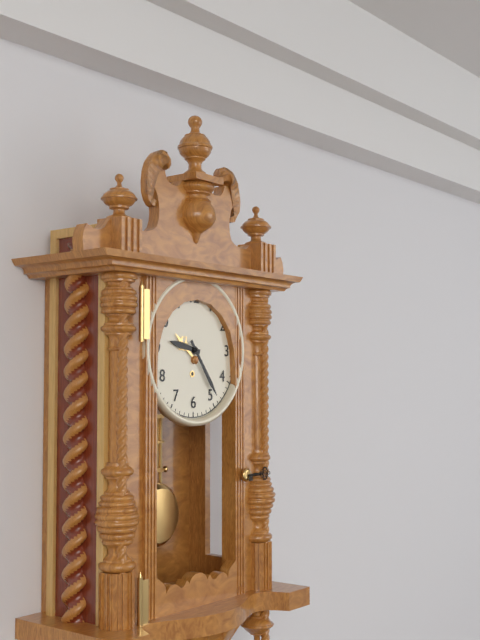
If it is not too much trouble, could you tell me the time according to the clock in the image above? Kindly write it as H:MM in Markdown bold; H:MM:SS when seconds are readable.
**9:24**
